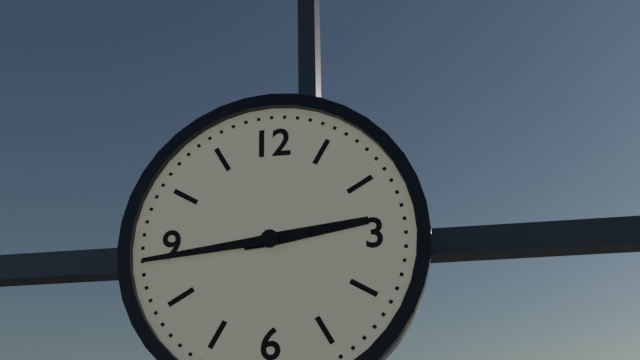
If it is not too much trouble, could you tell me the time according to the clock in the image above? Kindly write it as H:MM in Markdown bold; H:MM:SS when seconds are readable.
**2:44**
